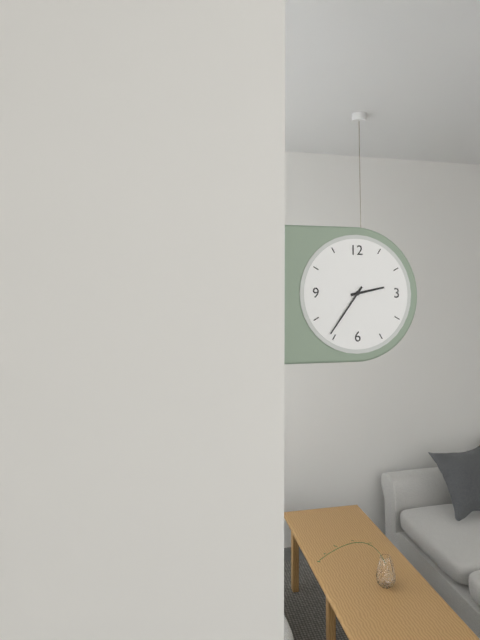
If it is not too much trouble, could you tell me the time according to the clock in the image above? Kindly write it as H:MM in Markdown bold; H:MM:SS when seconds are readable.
**2:36**
